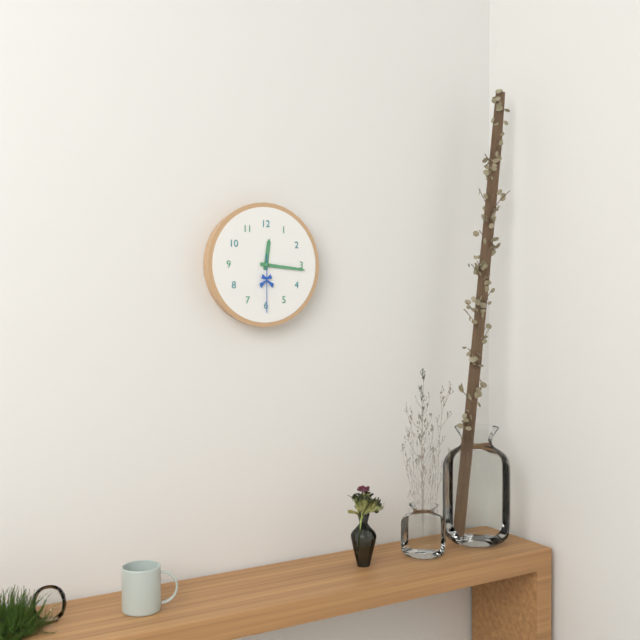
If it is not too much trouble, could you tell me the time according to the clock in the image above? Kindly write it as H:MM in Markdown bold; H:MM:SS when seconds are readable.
**12:16:30**
